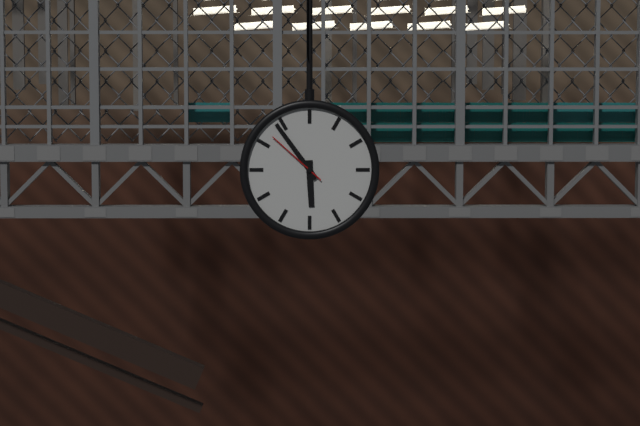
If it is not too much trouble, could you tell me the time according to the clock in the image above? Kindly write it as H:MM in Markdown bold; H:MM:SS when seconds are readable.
**5:54:52**
